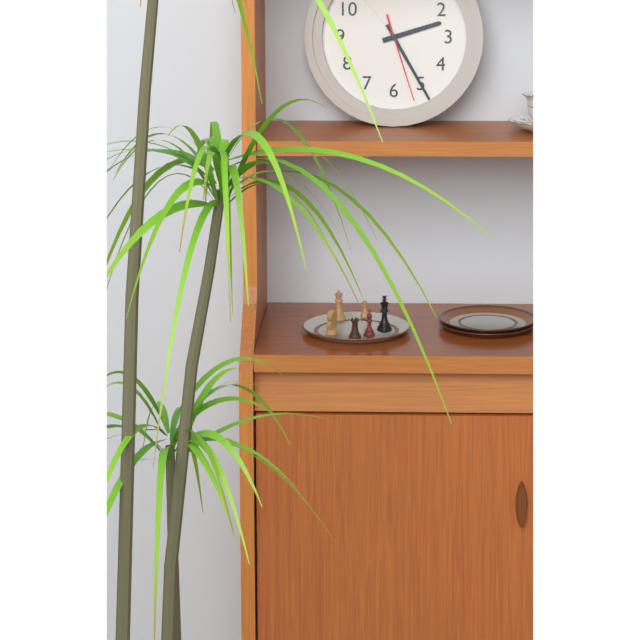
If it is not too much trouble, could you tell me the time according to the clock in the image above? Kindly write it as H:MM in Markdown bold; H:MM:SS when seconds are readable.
**2:25:27**
